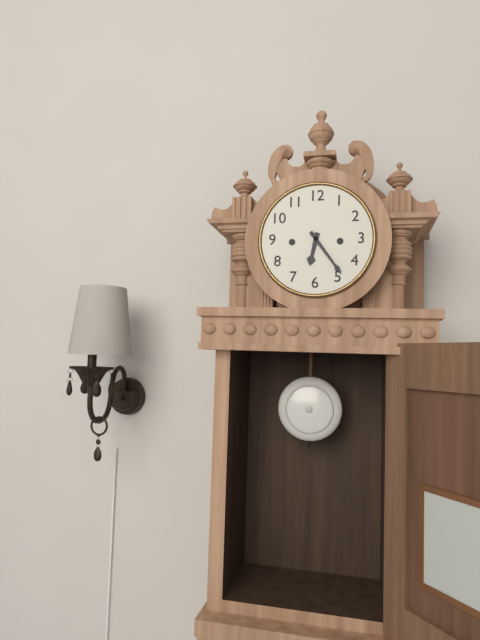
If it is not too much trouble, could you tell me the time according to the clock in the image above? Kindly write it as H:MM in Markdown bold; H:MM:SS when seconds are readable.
**6:24**
